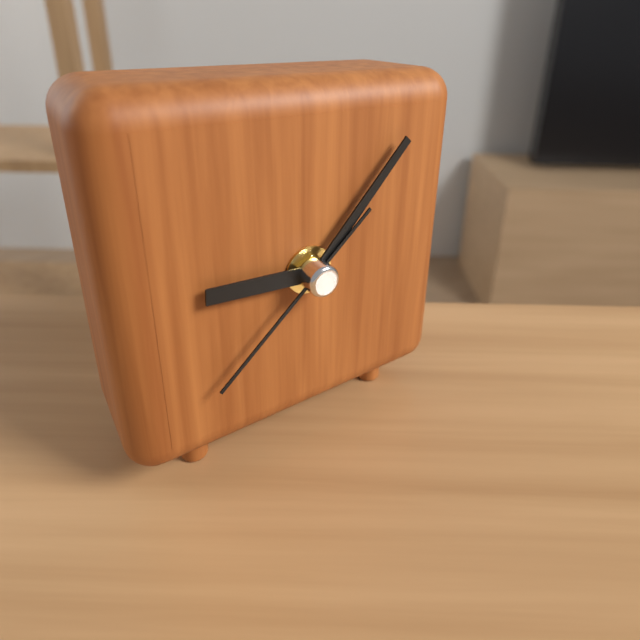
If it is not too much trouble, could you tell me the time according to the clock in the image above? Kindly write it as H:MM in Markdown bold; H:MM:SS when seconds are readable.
**9:07:38**
